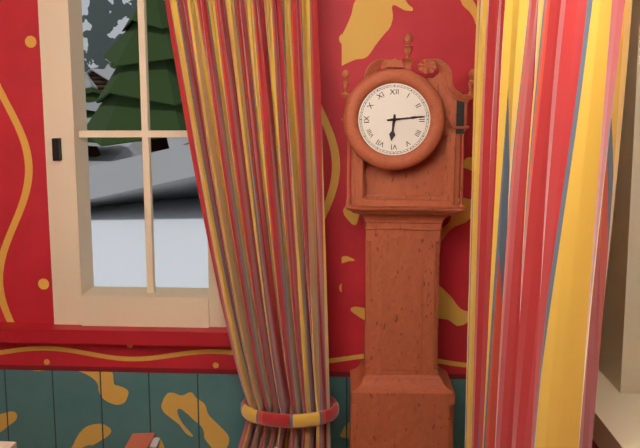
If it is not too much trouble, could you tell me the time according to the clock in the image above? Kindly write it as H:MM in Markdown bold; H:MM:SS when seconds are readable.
**6:14**
